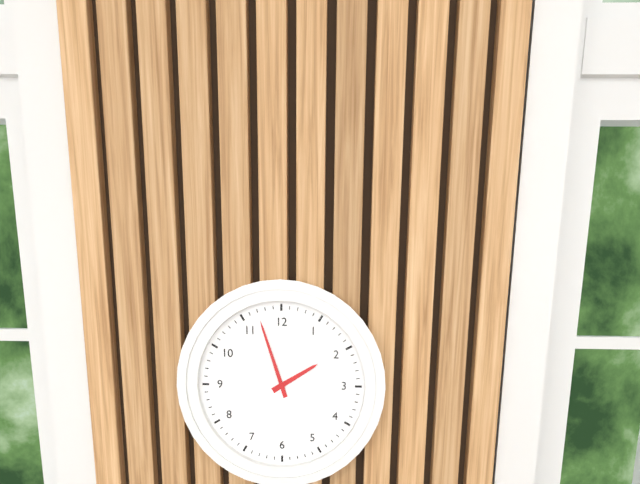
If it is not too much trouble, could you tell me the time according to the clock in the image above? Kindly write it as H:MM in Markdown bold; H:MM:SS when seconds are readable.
**1:57**
